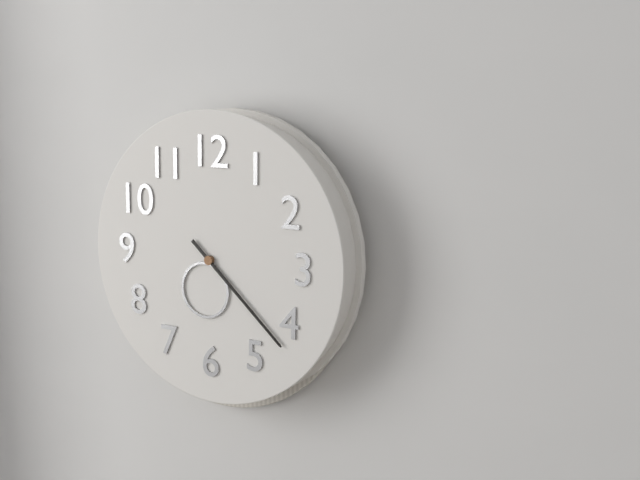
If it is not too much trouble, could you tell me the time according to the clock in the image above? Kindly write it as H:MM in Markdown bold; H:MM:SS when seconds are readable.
**6:22**
